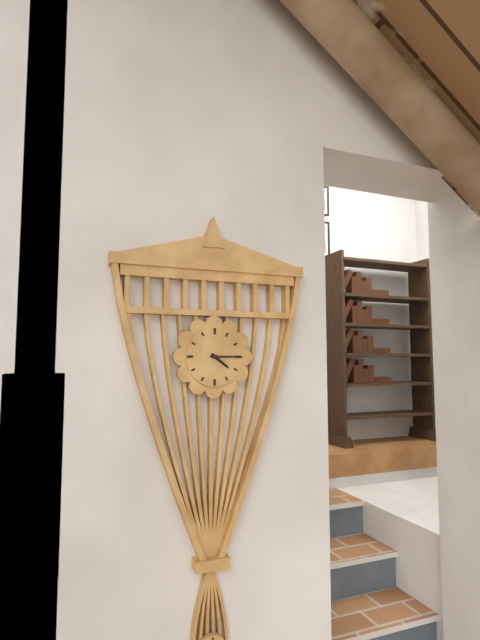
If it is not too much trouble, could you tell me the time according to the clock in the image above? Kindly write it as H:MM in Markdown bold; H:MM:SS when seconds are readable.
**4:15**
